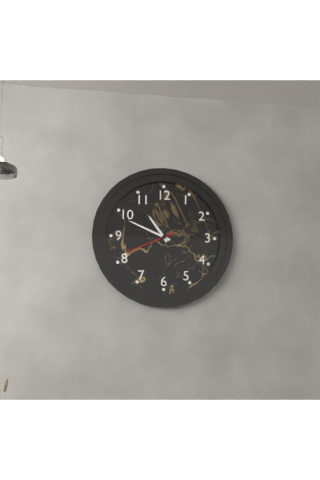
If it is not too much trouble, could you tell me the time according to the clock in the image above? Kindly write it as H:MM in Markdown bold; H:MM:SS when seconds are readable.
**10:49:41**
